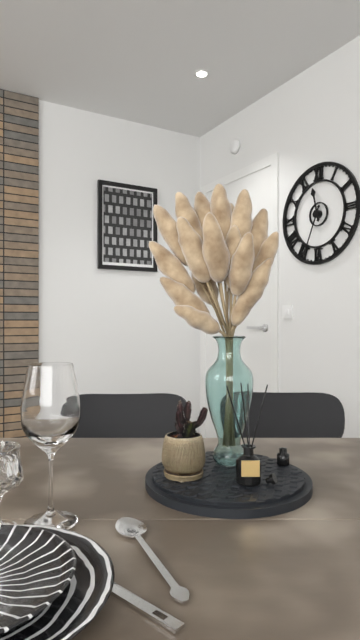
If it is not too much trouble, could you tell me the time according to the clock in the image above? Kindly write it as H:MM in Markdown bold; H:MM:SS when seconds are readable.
**11:34**
